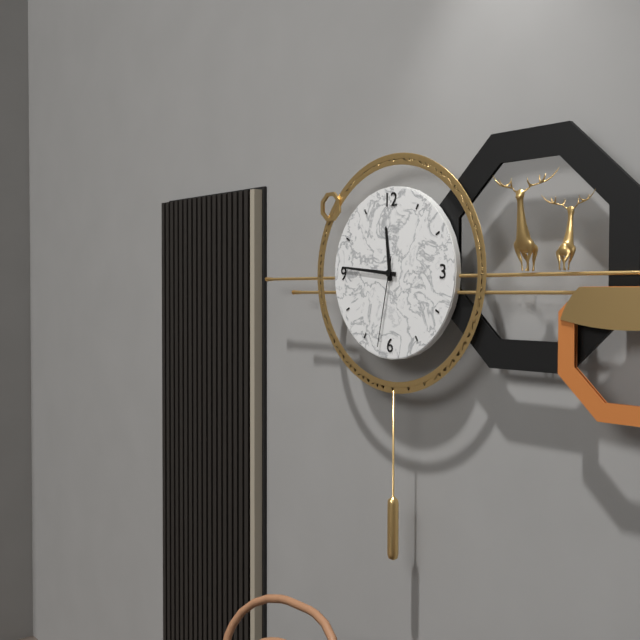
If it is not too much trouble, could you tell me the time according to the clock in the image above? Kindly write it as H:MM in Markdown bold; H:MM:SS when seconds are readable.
**11:46:32**
